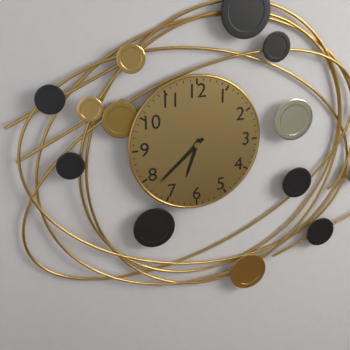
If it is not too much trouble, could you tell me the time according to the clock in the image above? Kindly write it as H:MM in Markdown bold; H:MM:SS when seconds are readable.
**6:38**
